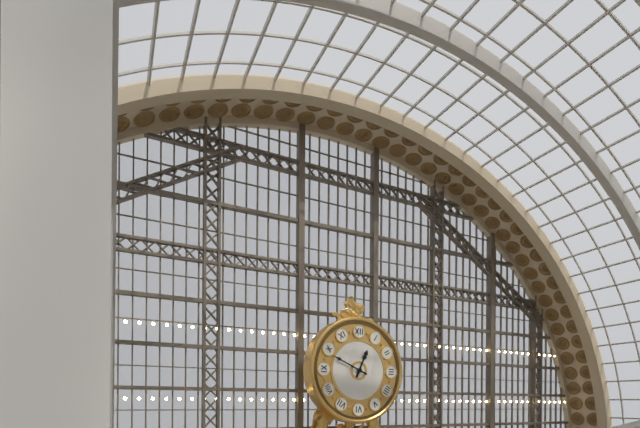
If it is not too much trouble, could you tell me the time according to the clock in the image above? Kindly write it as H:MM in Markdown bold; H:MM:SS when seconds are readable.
**12:49**
